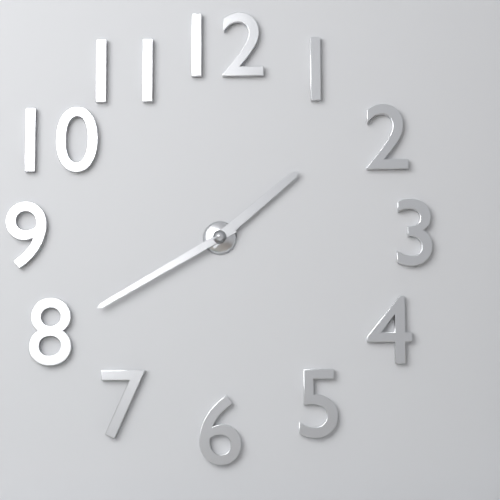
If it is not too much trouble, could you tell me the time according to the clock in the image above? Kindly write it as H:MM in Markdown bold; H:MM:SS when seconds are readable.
**1:40**
